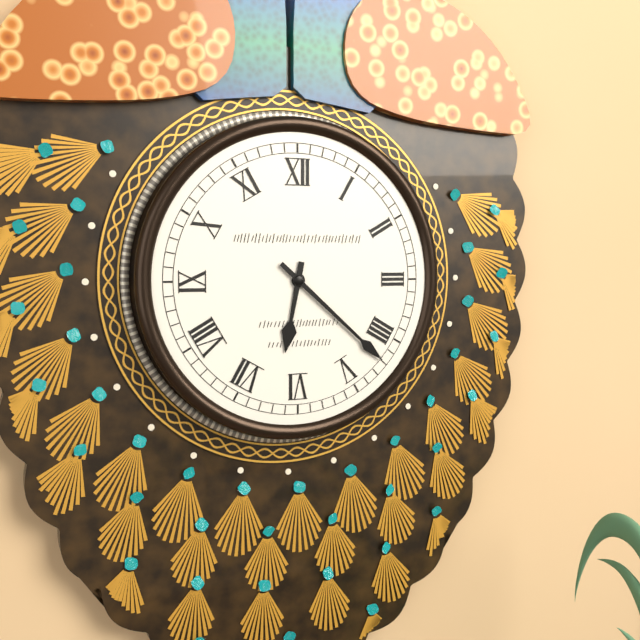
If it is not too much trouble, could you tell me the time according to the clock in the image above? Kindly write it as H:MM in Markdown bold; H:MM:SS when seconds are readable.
**6:22**
